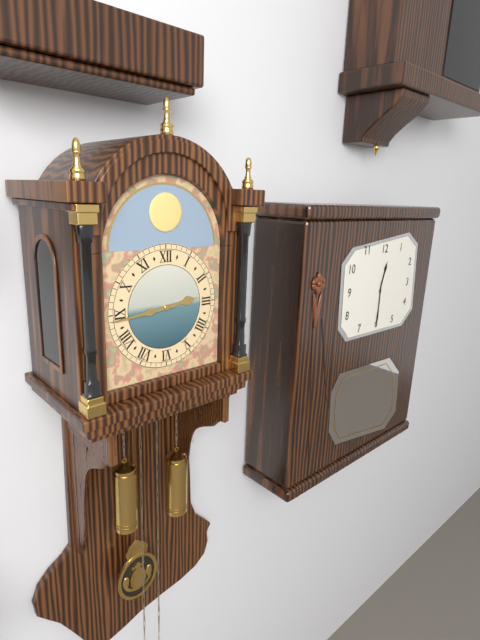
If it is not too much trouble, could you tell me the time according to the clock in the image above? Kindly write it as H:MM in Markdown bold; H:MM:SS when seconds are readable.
**2:44**
